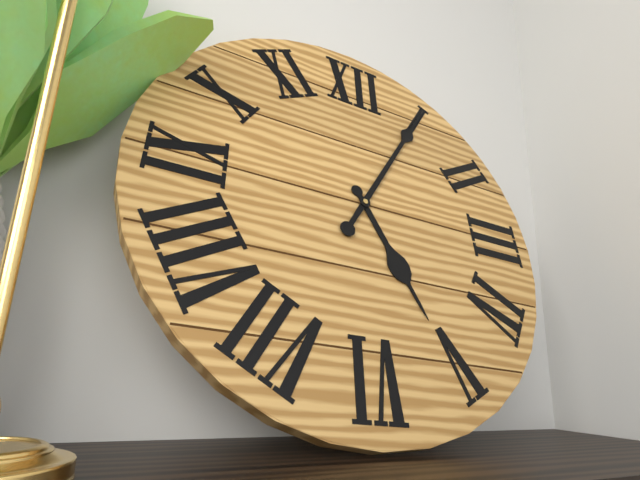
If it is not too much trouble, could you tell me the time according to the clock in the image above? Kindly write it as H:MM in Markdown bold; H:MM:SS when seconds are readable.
**5:05**
